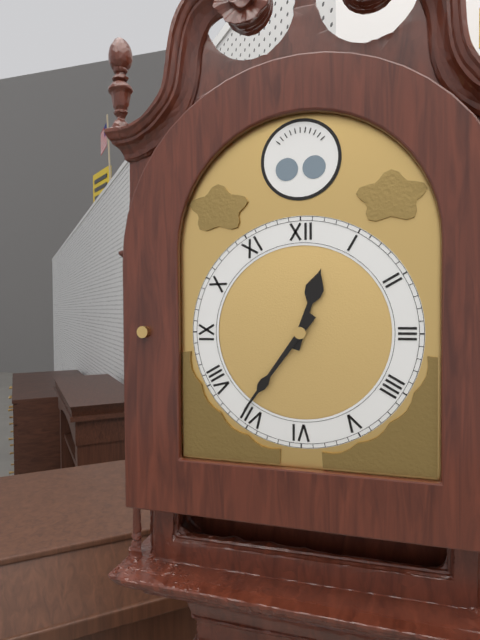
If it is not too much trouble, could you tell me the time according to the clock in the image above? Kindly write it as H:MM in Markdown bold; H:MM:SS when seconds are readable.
**12:36**
